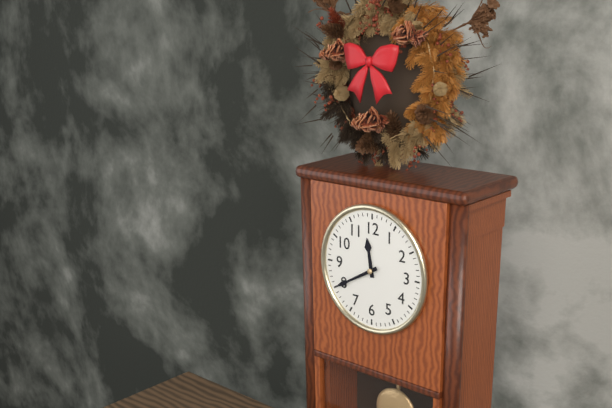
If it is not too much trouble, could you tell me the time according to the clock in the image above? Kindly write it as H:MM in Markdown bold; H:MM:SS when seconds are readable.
**11:40**
